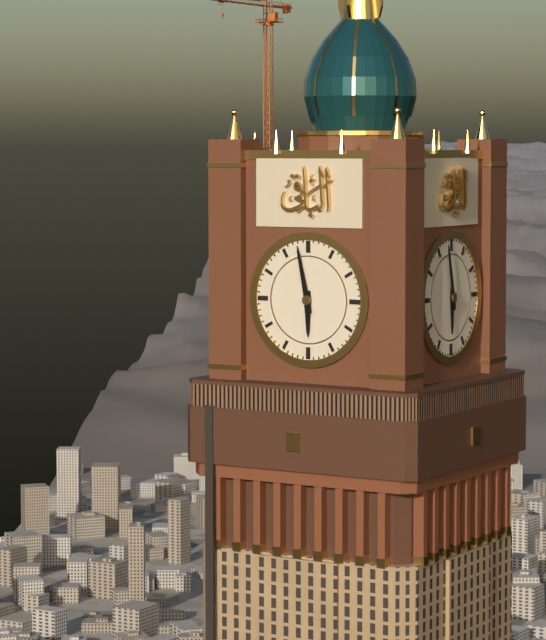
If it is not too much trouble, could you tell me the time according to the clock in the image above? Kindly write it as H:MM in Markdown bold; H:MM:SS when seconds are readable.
**5:58**
